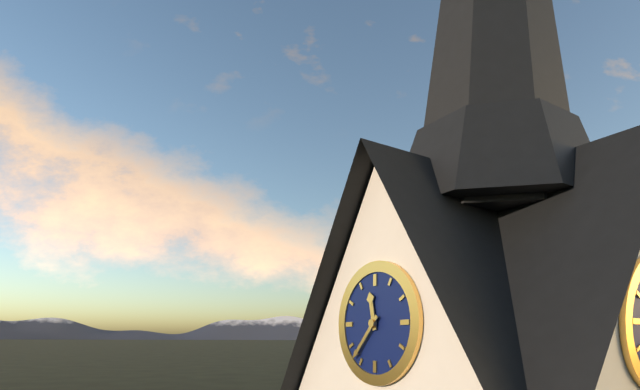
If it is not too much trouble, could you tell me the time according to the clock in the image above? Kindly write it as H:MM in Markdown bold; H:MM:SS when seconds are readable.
**11:37**
